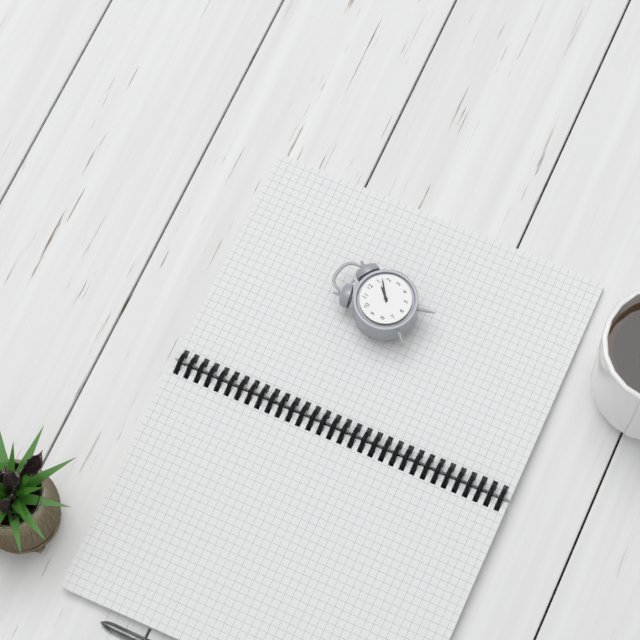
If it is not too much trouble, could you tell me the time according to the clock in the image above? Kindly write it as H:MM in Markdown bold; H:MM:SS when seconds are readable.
**1:07**
